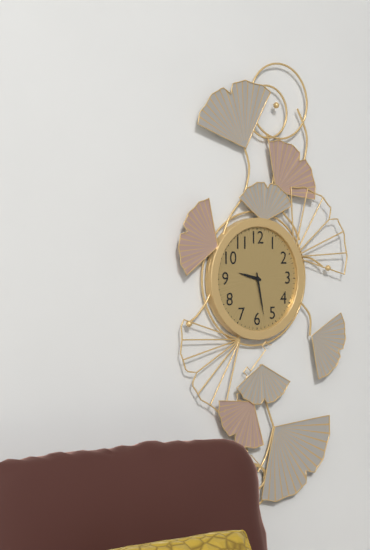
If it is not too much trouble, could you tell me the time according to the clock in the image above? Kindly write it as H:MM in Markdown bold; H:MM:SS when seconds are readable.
**9:28**
